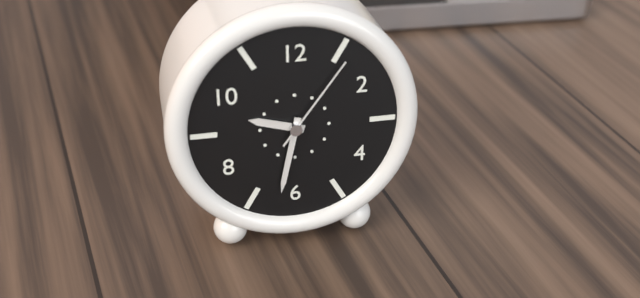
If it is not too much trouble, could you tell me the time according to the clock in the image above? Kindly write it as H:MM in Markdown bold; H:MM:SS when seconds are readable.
**9:32:06**
